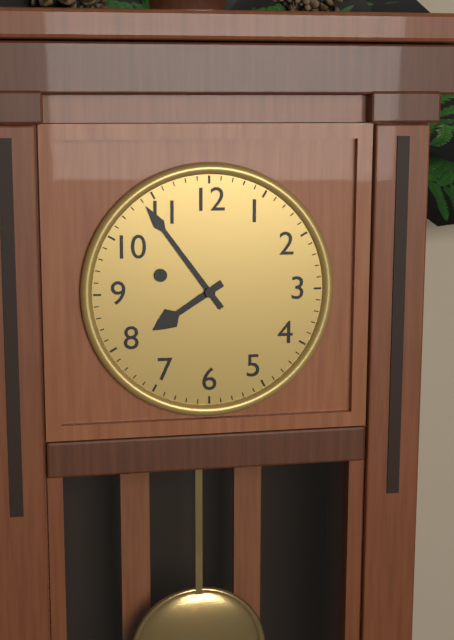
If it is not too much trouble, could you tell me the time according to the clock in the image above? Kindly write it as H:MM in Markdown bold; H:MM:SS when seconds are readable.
**7:54**
